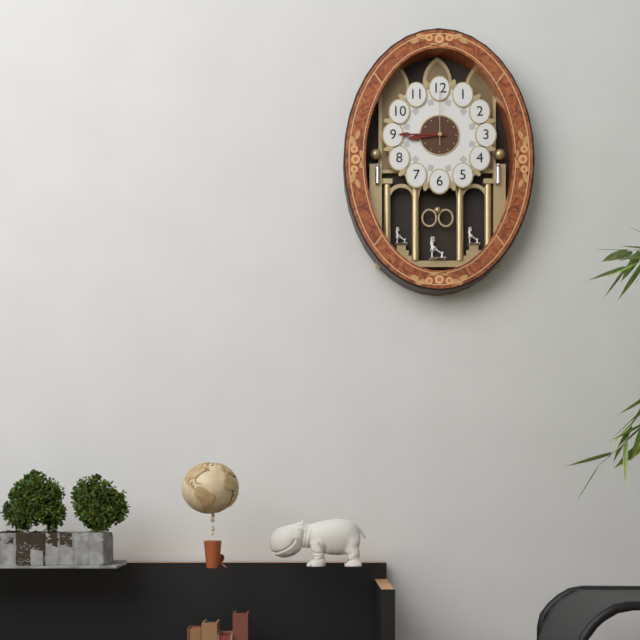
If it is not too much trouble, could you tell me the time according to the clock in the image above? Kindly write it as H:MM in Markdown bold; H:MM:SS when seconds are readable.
**8:45:00**
